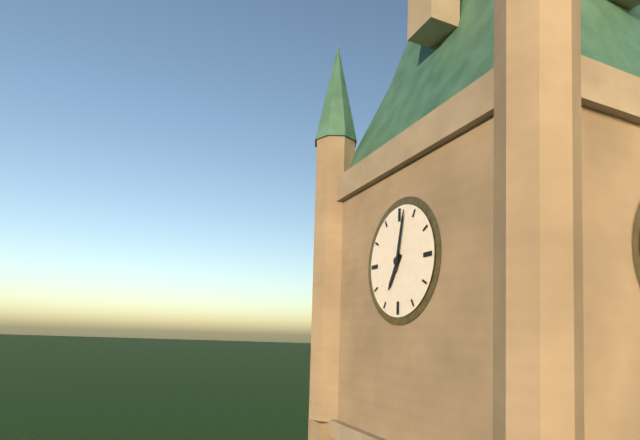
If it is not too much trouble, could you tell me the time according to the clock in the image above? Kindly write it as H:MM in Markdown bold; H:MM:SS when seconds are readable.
**7:02**
